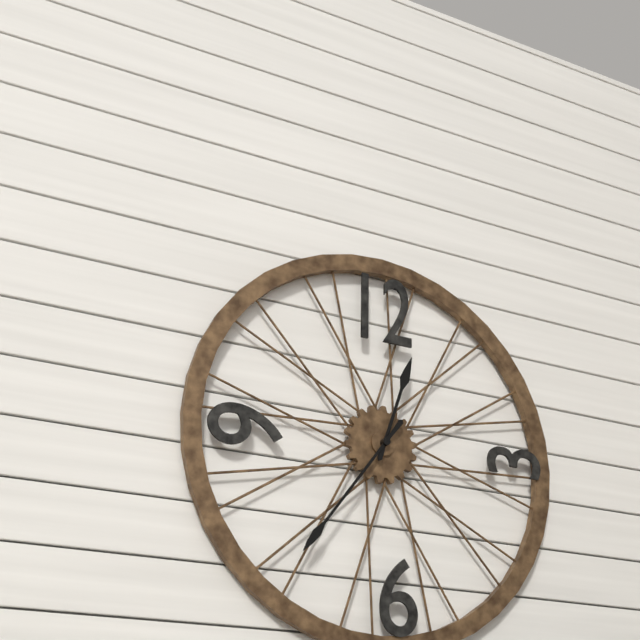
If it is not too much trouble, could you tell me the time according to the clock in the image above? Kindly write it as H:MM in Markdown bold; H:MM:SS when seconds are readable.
**12:36**
